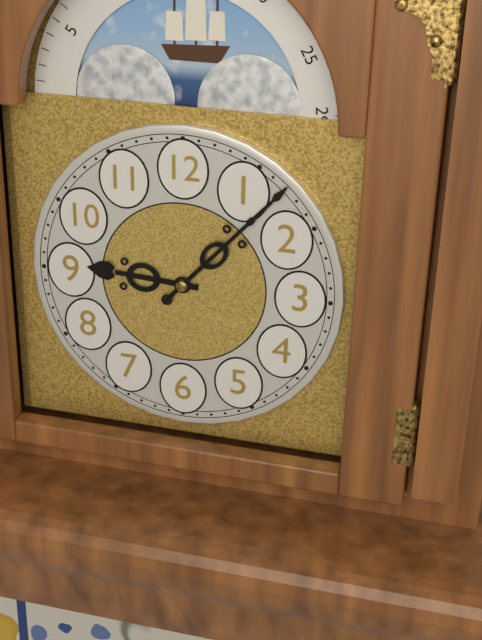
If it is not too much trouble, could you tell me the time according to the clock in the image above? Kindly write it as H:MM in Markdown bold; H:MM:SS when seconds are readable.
**9:07**
